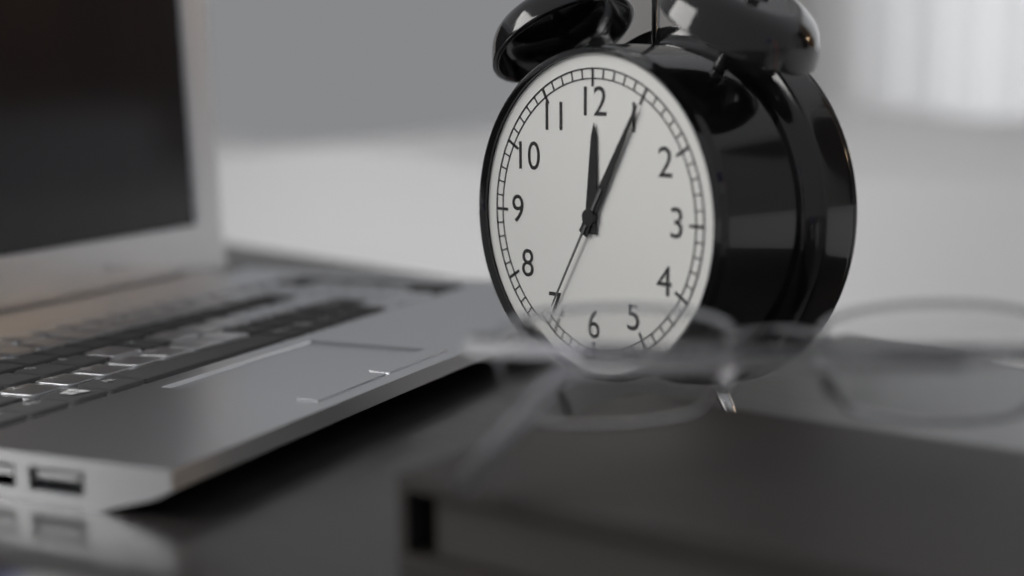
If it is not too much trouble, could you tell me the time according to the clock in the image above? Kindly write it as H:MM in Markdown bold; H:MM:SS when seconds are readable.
**12:05:35**
